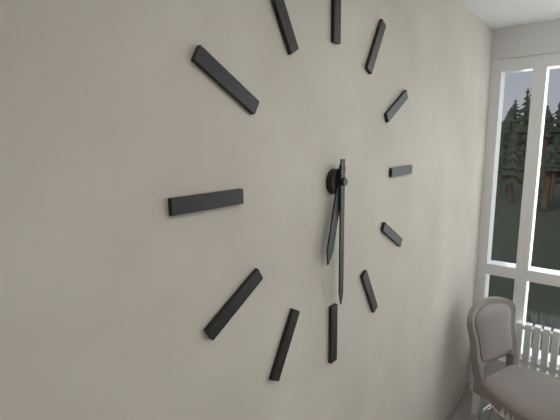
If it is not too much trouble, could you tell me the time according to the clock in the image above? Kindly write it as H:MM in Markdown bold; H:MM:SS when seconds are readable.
**6:30**
